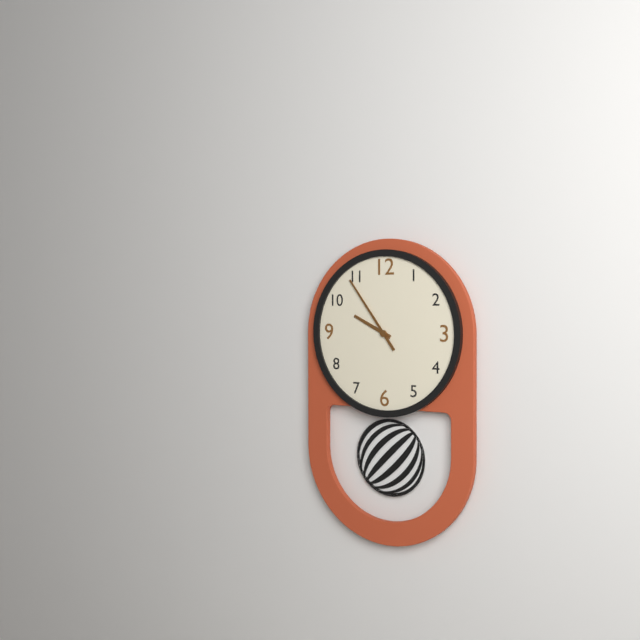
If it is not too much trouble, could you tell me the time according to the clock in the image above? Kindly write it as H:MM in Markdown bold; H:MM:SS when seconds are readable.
**9:54**
